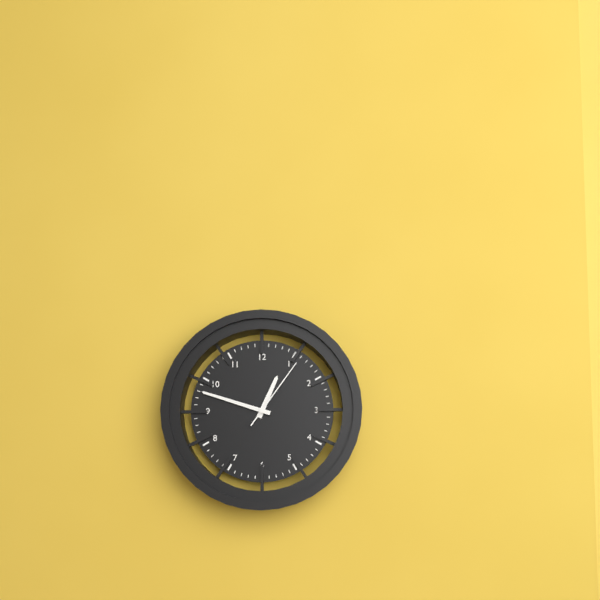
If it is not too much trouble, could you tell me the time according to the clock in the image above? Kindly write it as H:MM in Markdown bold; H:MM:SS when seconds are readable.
**12:48:06**
